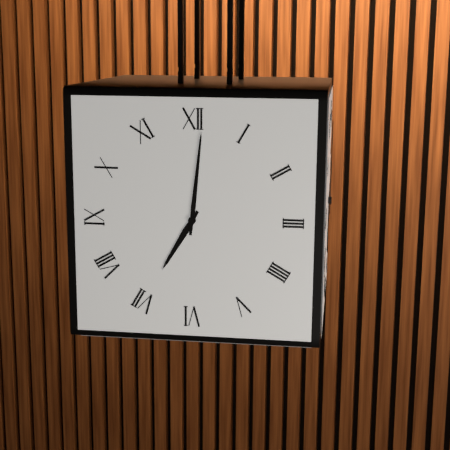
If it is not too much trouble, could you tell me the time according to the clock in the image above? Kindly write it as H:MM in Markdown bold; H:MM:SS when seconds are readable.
**7:01**
